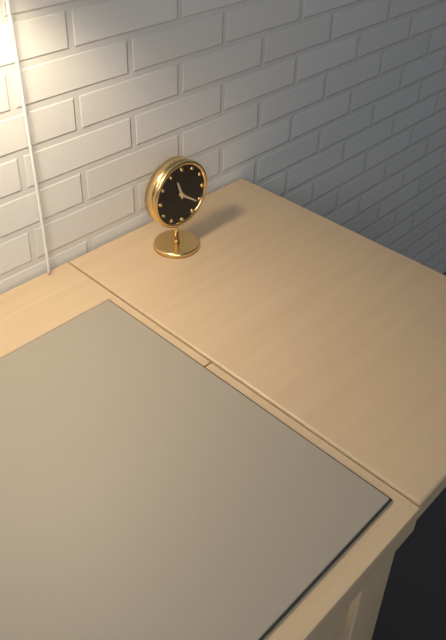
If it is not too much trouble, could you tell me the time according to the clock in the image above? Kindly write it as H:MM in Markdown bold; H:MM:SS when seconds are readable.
**11:21**
